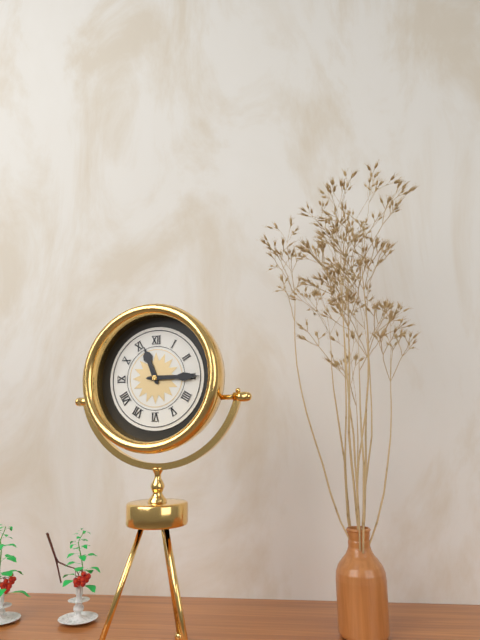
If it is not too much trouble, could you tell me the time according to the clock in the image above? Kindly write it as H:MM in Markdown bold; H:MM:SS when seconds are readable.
**11:15**
